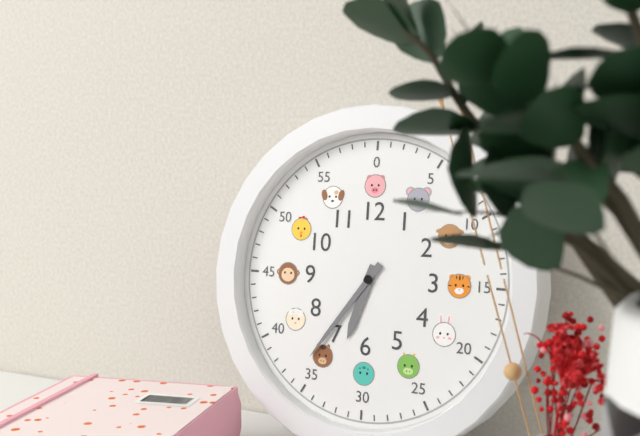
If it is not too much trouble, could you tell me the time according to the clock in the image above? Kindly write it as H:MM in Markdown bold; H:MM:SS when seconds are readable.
**6:36**
